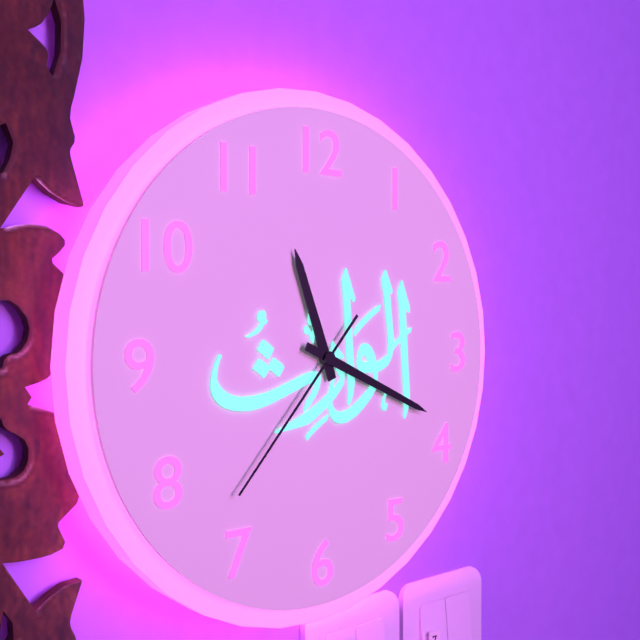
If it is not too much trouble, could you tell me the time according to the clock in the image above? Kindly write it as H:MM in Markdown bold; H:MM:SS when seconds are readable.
**11:19:37**
